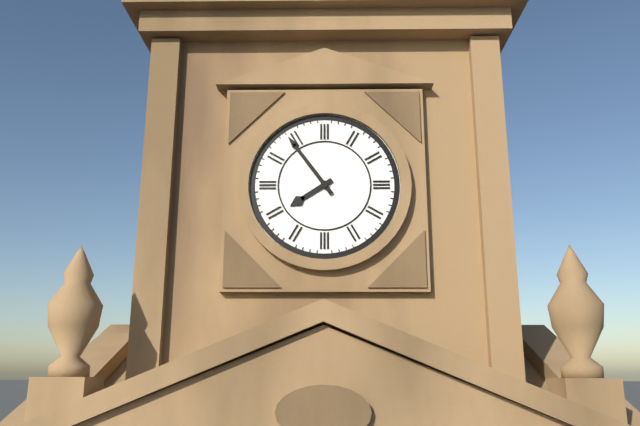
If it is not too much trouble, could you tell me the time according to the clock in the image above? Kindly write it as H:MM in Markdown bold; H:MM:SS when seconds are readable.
**7:54**
